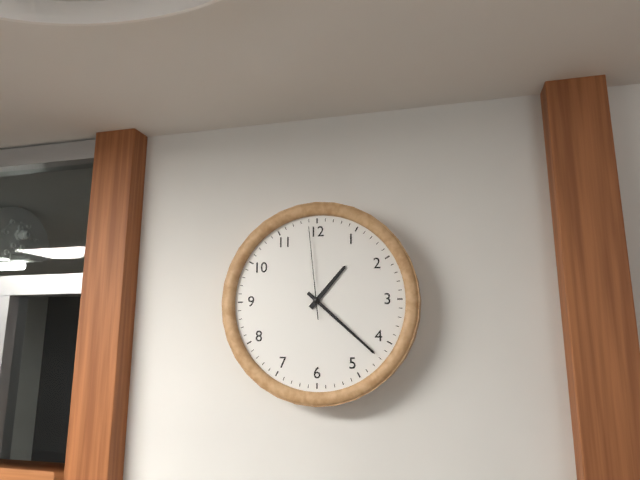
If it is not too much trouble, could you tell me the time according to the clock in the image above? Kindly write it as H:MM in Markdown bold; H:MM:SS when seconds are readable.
**1:22:59**
